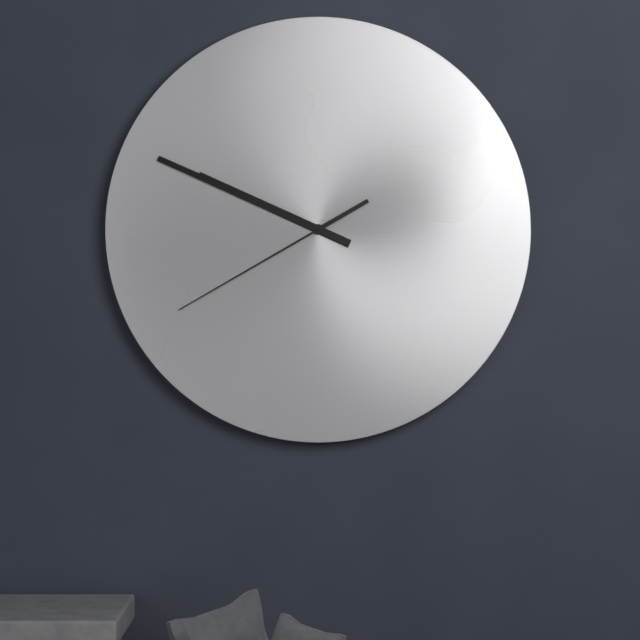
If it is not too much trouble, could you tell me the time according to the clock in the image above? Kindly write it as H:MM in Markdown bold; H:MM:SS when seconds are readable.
**9:49:40**
